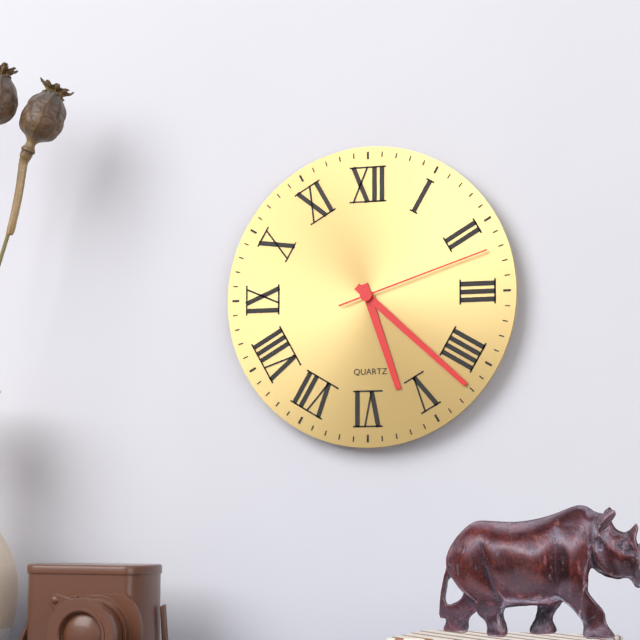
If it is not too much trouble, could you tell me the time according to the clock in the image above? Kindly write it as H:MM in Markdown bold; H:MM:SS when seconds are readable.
**5:22:12**
